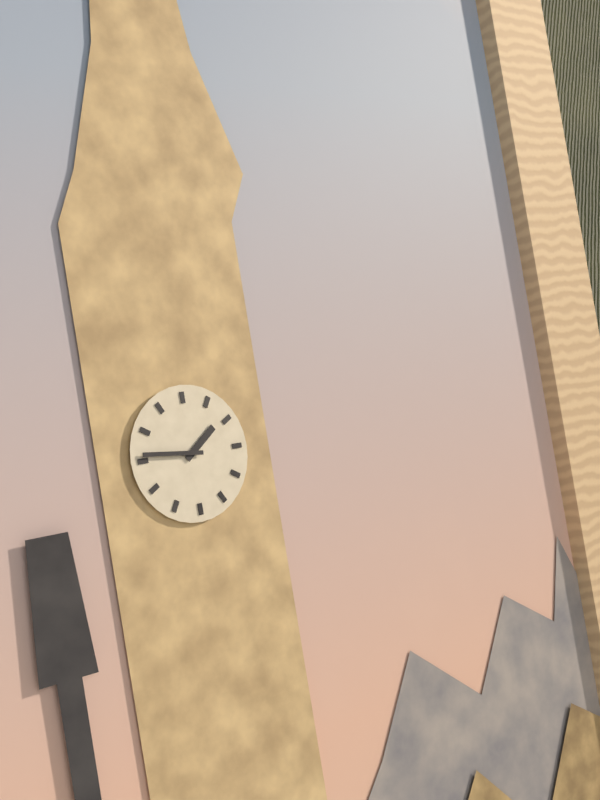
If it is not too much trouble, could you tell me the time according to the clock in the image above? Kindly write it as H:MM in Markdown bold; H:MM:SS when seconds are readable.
**1:46**
